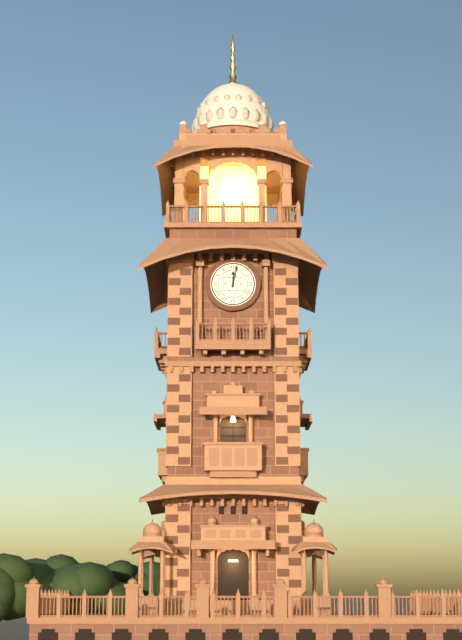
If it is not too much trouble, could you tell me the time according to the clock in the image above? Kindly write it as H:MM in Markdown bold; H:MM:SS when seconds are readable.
**12:02**
